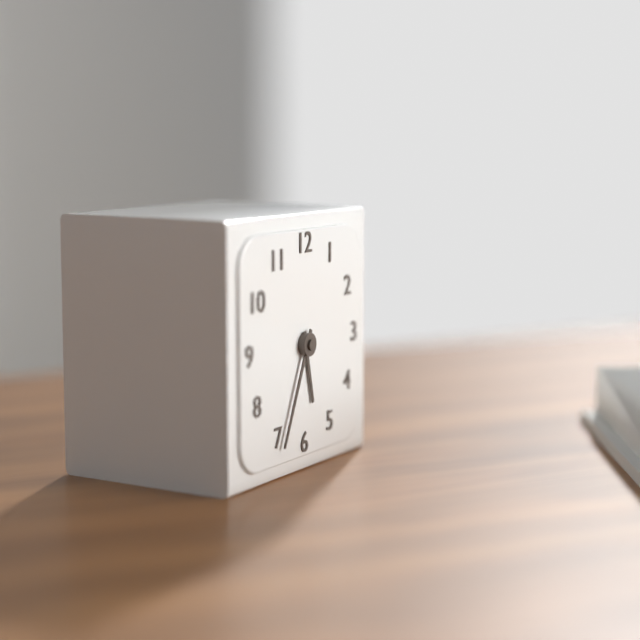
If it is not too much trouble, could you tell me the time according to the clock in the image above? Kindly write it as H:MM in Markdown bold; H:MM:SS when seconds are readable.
**5:34**
